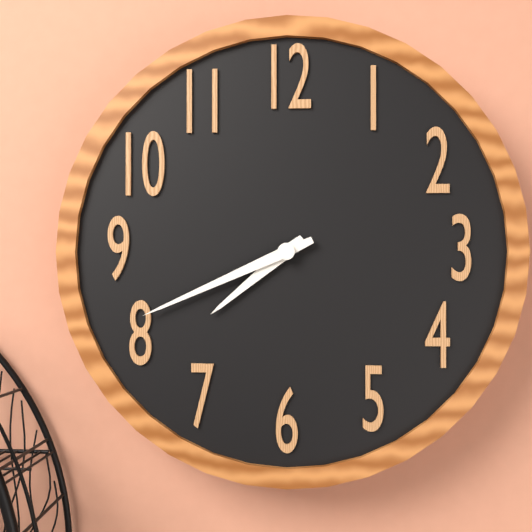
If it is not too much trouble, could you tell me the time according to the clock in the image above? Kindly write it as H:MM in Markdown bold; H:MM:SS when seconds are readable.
**7:41**
